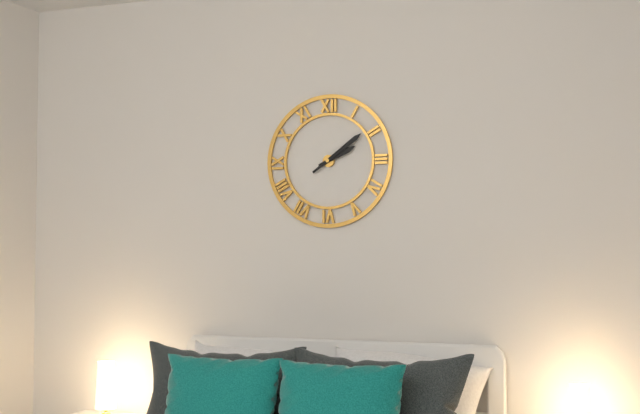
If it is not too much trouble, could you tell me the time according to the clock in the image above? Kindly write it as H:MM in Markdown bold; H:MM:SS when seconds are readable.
**2:09**
